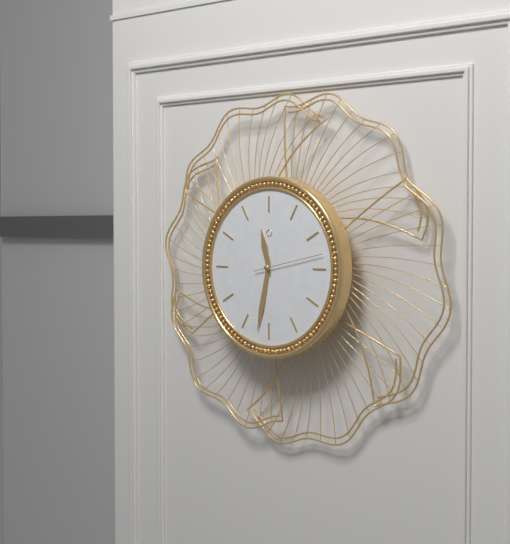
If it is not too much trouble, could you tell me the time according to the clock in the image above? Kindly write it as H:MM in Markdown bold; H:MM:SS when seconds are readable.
**11:32:13**
